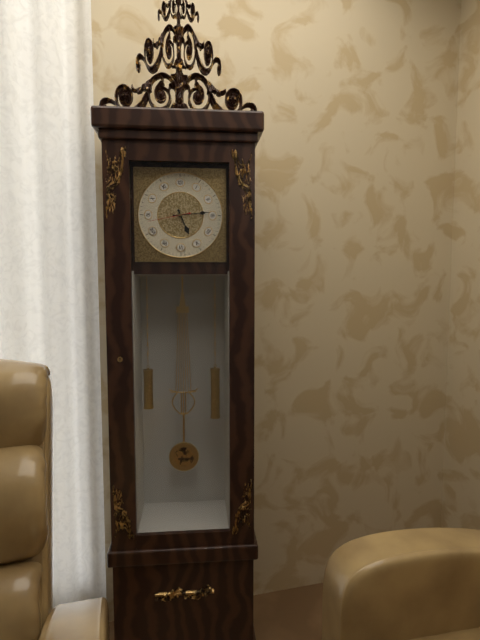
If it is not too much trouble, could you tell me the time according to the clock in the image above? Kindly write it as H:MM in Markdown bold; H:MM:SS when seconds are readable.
**5:14**
